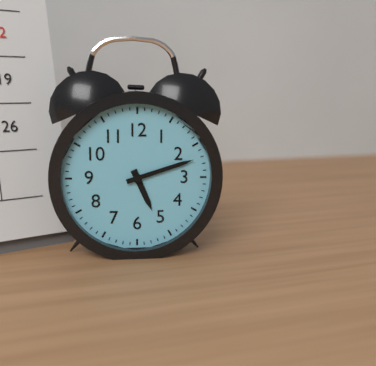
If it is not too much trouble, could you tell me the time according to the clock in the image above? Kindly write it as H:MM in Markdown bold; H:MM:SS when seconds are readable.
**5:12**
